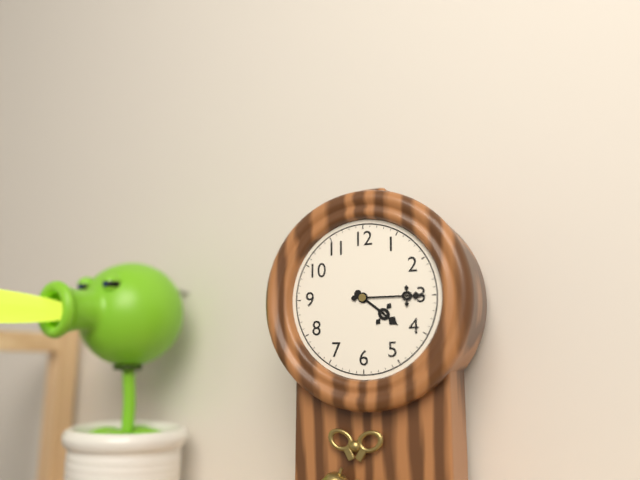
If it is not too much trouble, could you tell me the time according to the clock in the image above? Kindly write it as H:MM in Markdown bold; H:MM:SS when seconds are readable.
**4:15**
